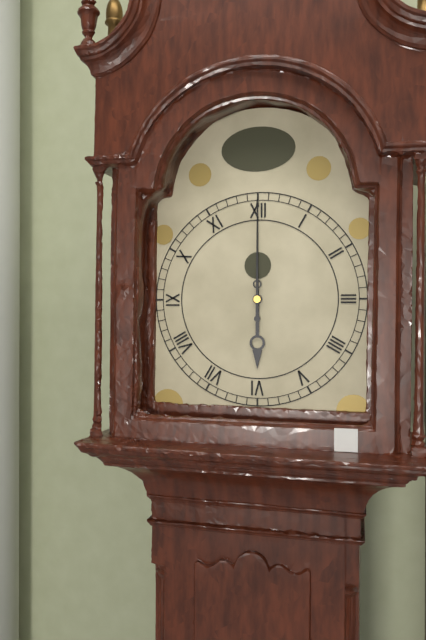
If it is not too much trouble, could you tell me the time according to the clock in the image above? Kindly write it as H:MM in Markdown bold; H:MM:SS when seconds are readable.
**6:00**
